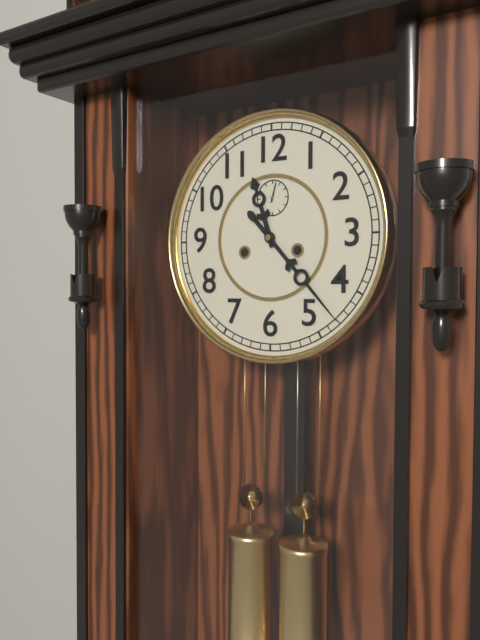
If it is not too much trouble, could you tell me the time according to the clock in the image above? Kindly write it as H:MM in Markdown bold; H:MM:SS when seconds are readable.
**11:23**
